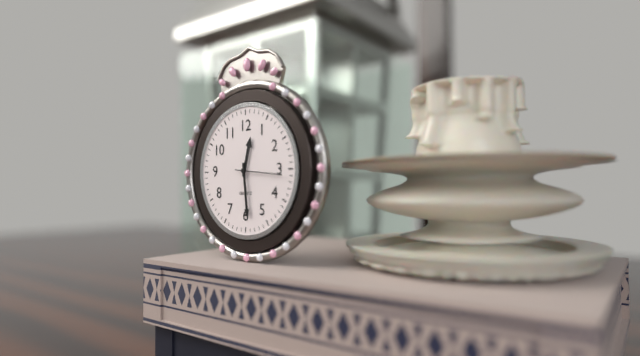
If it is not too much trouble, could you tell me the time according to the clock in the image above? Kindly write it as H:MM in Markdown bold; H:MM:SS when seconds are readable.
**12:29**
